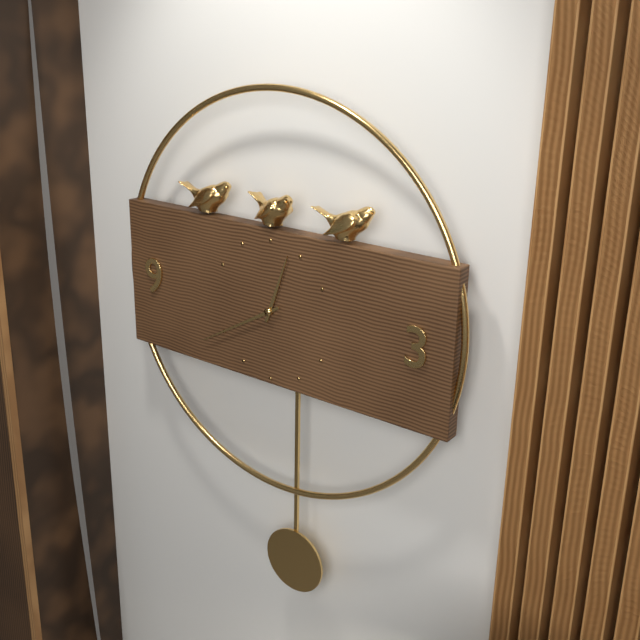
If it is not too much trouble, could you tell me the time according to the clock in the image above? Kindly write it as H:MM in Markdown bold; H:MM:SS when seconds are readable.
**12:40**
